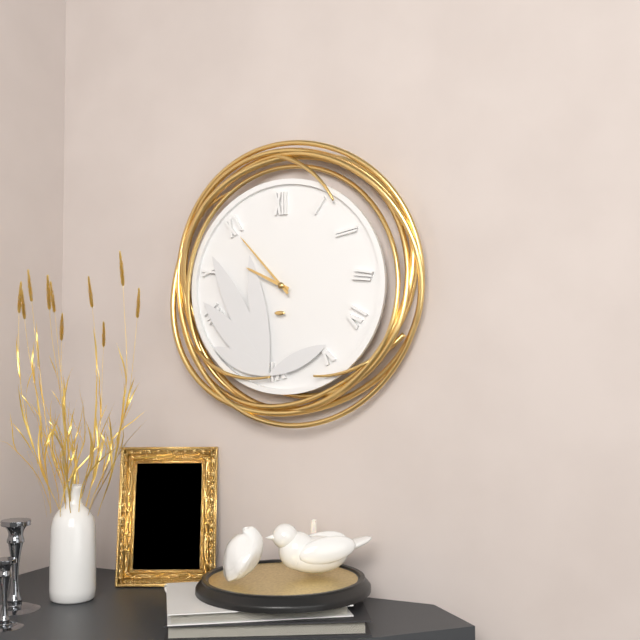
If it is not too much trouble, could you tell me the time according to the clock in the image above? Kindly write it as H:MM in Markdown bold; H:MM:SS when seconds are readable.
**9:53**
